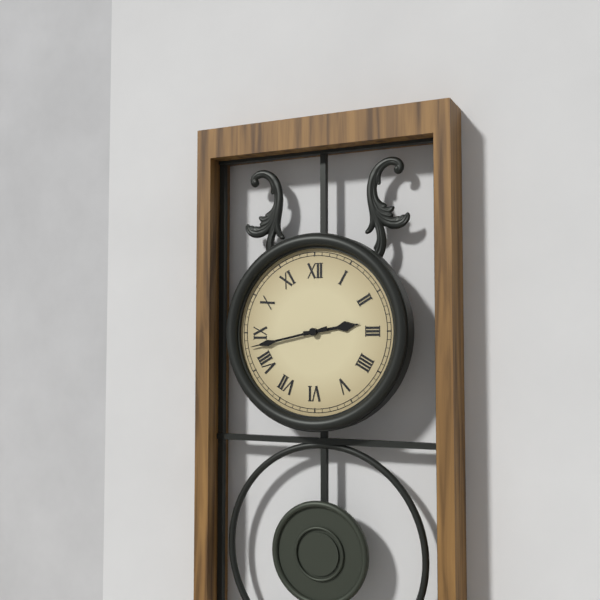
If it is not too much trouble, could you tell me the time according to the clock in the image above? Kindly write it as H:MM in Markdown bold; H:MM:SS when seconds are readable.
**2:43**
